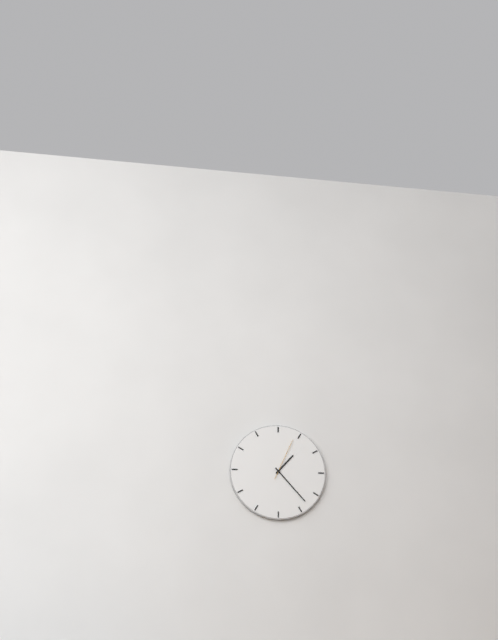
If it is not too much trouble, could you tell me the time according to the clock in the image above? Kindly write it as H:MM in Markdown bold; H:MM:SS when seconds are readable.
**1:23**
